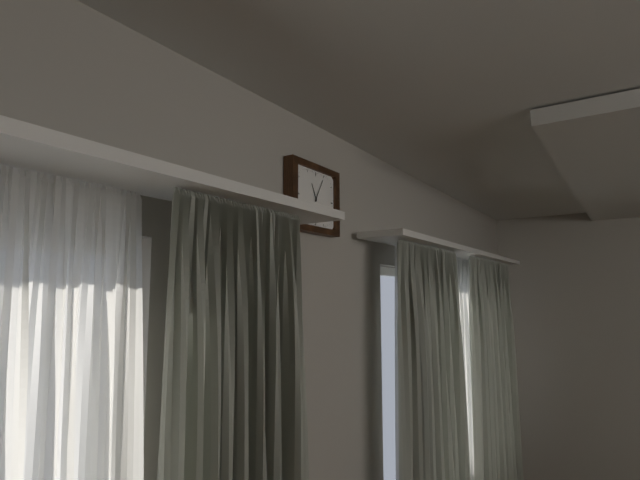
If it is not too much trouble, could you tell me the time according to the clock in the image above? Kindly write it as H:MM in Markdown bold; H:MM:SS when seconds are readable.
**11:05**
